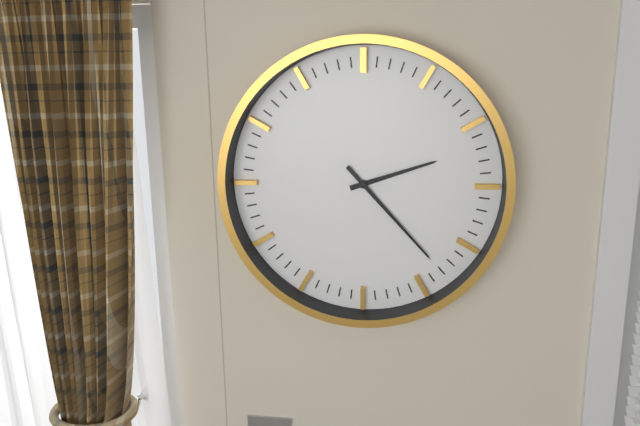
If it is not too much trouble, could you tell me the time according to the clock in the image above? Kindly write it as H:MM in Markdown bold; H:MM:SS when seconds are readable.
**2:23**
